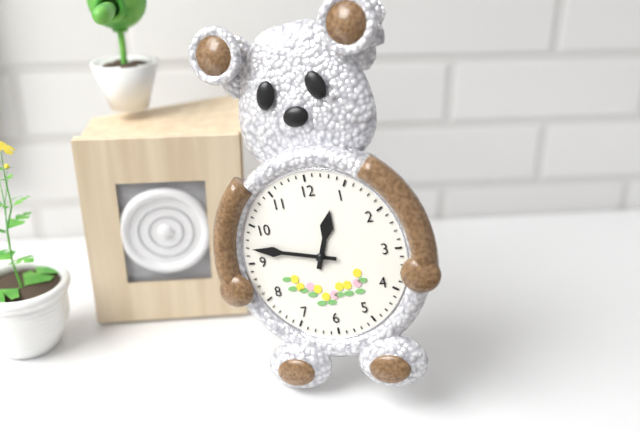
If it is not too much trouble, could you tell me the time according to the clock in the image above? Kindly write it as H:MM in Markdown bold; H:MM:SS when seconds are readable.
**12:47**
